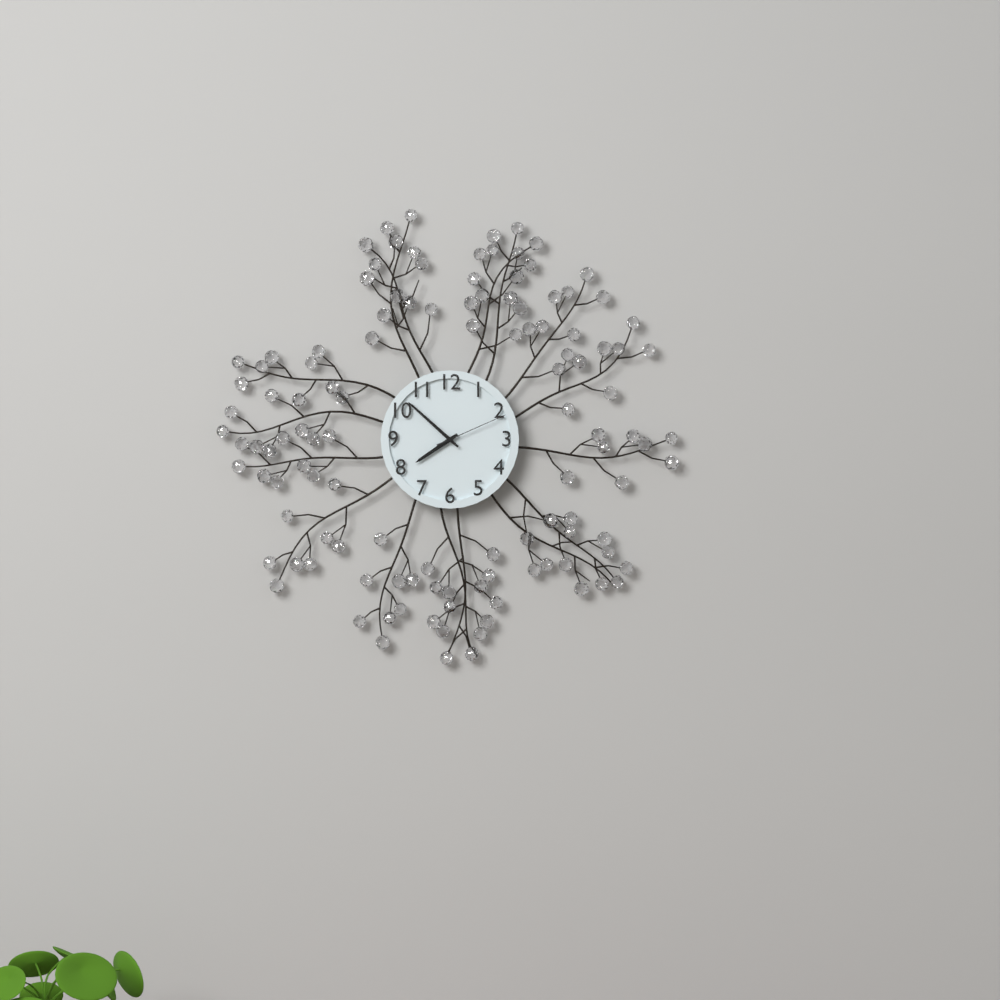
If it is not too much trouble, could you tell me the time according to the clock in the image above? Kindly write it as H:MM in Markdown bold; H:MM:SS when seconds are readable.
**7:52:11**
